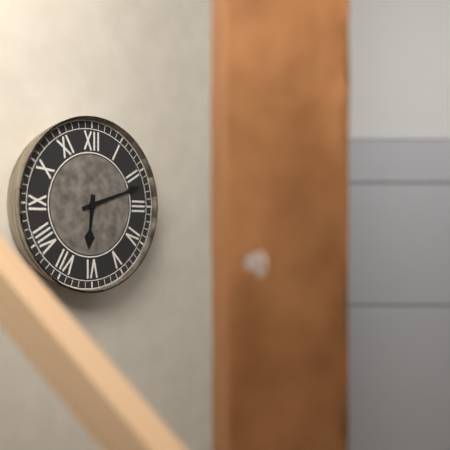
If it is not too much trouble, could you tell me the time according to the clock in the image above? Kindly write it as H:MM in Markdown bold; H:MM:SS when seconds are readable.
**6:12**
